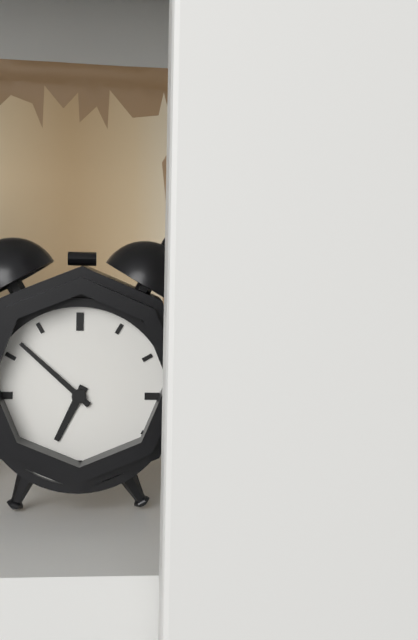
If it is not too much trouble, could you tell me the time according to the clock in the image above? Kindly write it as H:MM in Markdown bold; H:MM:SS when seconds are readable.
**6:52**
